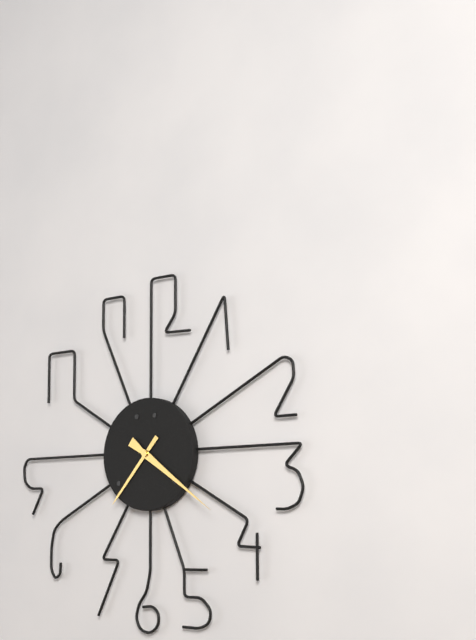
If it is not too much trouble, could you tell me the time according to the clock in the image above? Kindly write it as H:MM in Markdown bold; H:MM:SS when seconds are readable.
**7:21**
